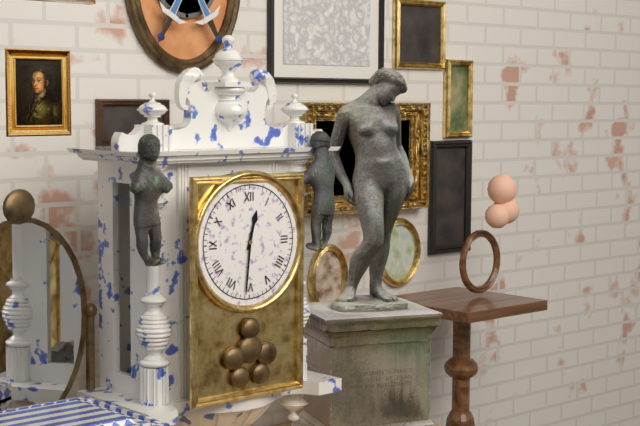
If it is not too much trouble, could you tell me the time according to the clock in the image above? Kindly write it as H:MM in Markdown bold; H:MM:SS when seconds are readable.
**12:31**
